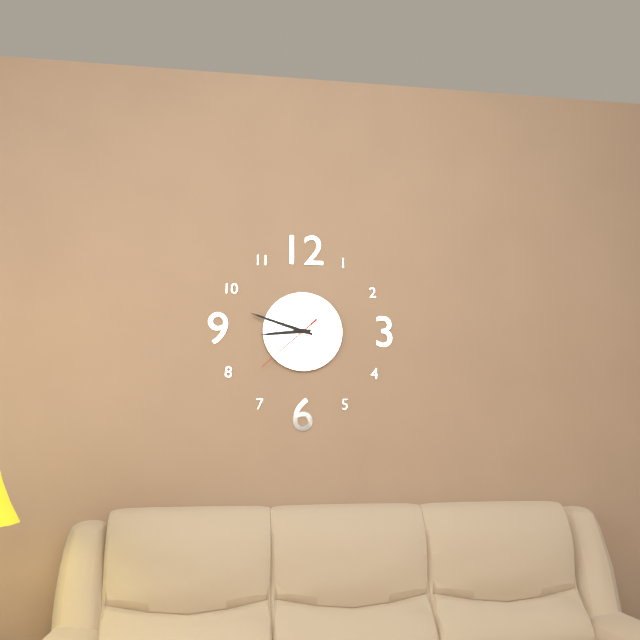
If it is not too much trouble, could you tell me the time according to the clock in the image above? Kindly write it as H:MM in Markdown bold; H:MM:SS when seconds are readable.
**8:48:38**
